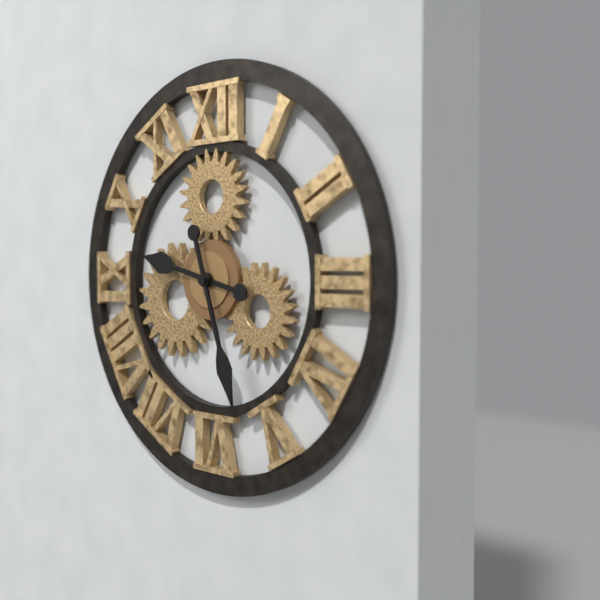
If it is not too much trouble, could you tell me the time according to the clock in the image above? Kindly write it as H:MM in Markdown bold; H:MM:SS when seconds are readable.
**9:27**
